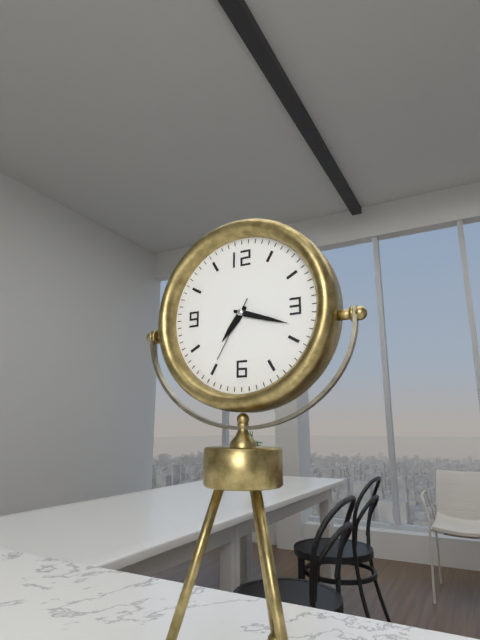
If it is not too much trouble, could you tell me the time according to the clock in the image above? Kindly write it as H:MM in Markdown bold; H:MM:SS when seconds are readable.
**7:18:35**
